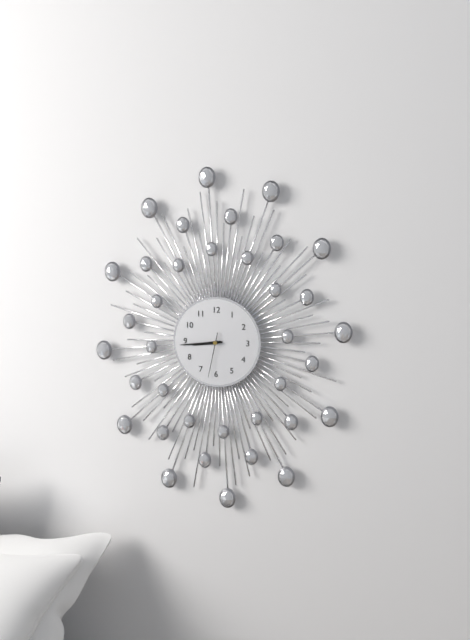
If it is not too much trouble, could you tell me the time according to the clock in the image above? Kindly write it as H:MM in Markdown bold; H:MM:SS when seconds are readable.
**8:44**
